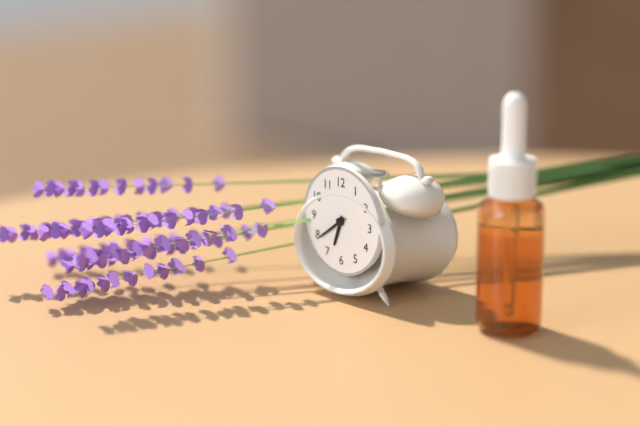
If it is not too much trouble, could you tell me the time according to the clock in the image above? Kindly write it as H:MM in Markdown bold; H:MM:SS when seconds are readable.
**6:39**
